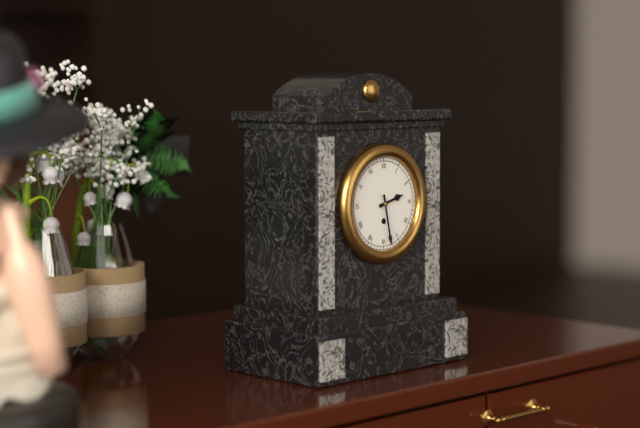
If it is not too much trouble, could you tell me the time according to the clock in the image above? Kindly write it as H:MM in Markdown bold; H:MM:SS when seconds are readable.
**2:28**
